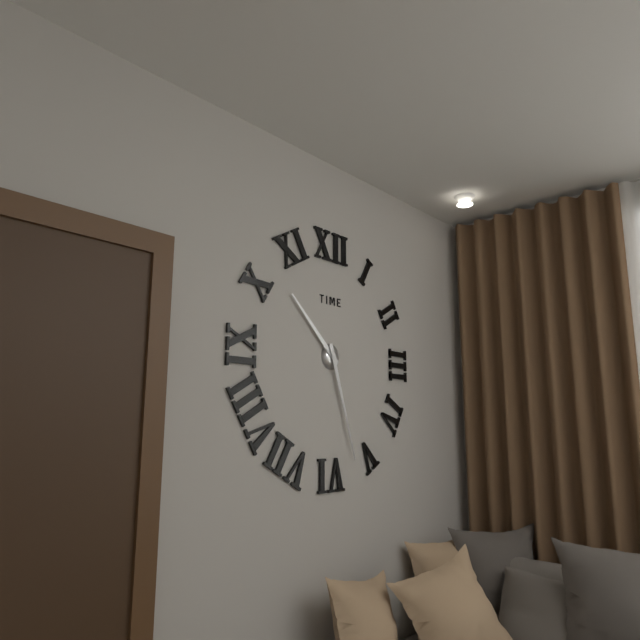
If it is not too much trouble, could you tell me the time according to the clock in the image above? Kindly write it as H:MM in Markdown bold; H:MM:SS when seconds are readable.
**10:27**
